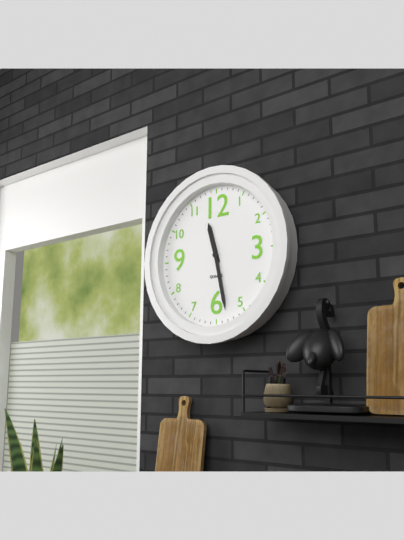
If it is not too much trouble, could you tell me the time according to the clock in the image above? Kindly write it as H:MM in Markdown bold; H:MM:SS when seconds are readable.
**11:28**
